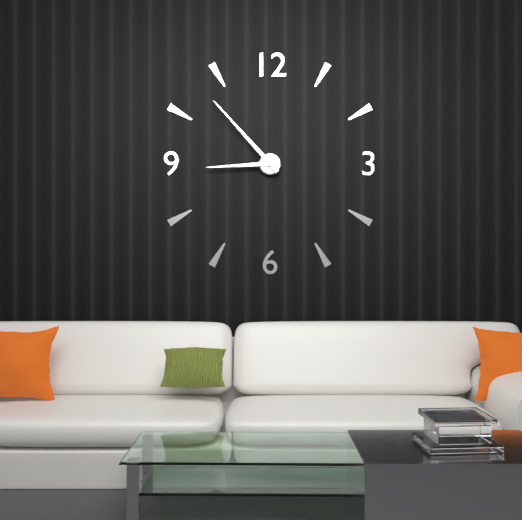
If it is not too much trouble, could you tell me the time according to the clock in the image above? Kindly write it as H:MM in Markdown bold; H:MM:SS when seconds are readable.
**8:53**
